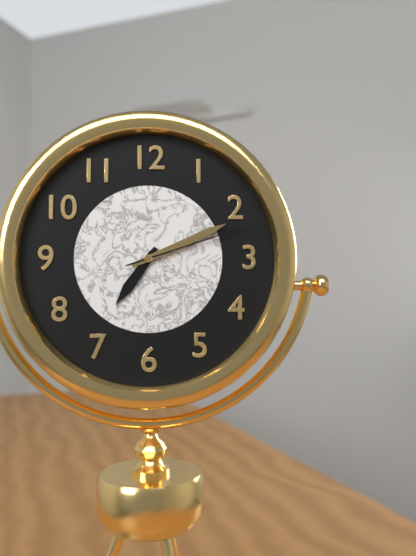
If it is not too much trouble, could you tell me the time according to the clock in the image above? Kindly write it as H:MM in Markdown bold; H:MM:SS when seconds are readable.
**7:11:12**
